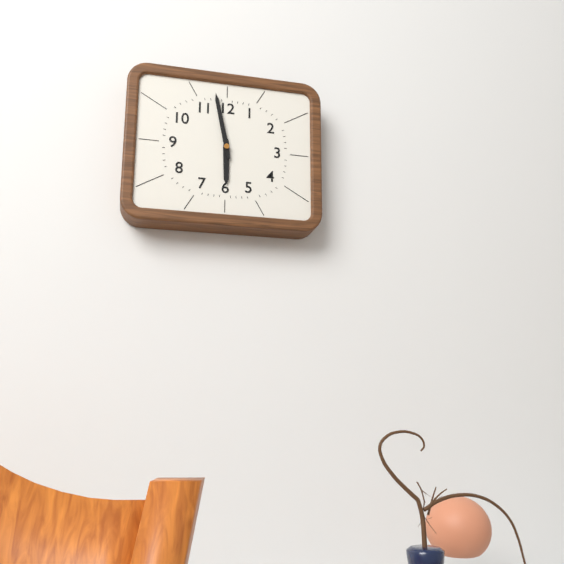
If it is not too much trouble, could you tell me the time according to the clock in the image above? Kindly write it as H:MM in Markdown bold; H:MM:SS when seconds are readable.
**5:58**
